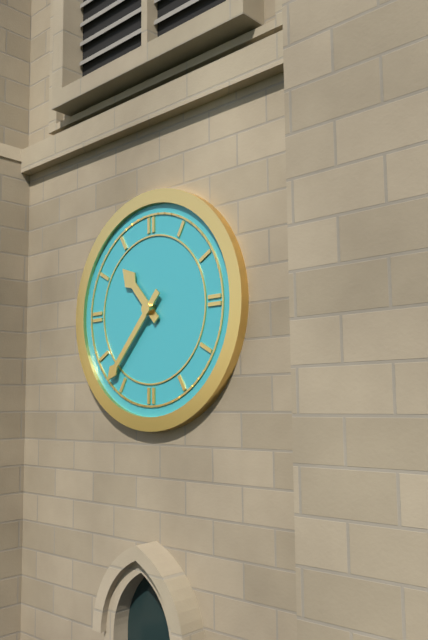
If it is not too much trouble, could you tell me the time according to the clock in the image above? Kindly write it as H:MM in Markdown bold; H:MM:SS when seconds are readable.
**10:37**
